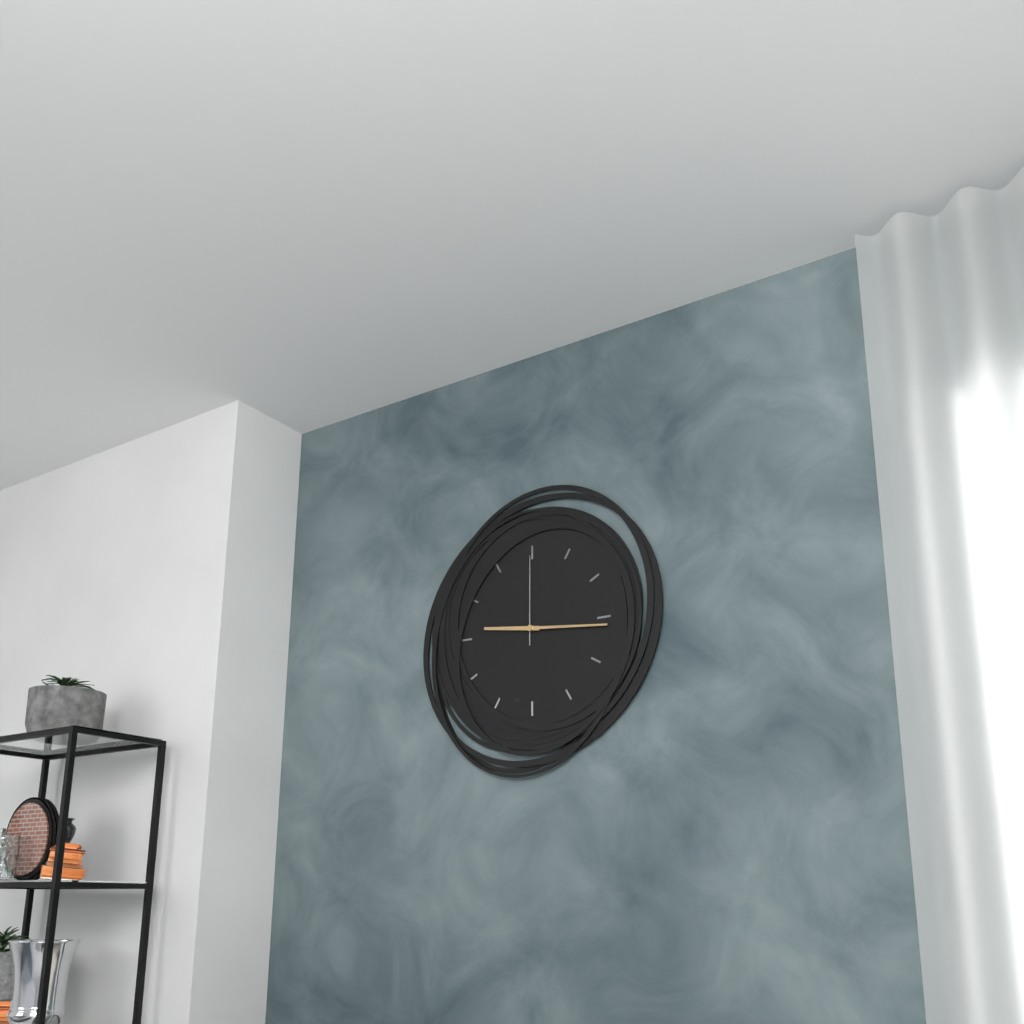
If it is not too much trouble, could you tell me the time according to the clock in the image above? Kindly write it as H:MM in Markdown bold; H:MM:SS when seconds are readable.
**9:16:00**
